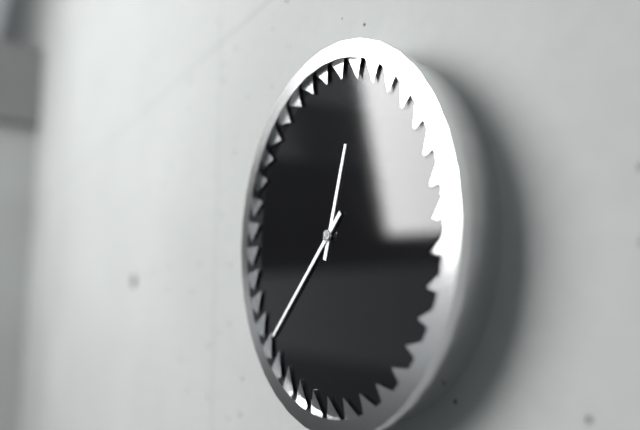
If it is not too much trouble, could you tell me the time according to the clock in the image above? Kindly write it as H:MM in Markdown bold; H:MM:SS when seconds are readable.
**12:38**
